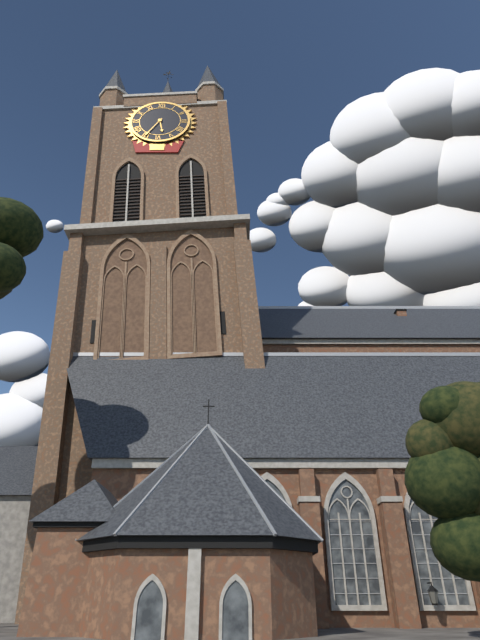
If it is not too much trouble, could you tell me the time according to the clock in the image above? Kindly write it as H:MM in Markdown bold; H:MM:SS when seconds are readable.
**5:35**
